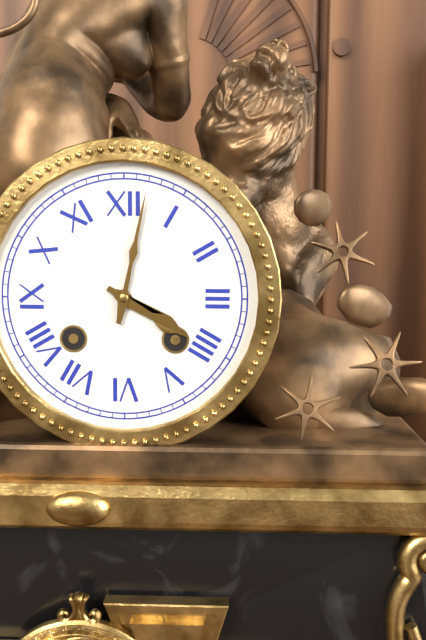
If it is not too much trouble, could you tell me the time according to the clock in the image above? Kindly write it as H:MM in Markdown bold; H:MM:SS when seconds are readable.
**4:02**
